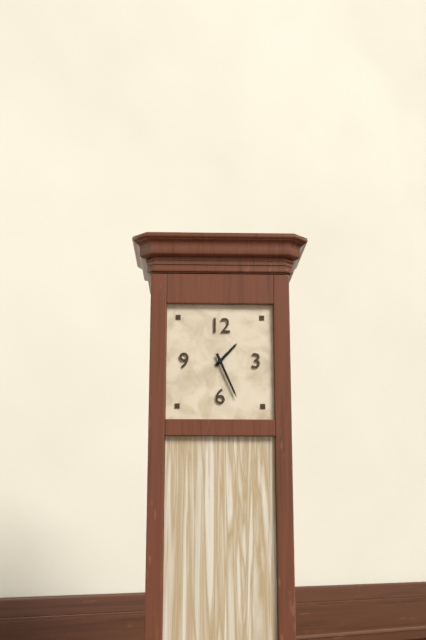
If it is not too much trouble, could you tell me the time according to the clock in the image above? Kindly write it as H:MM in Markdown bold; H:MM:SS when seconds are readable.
**1:26**
